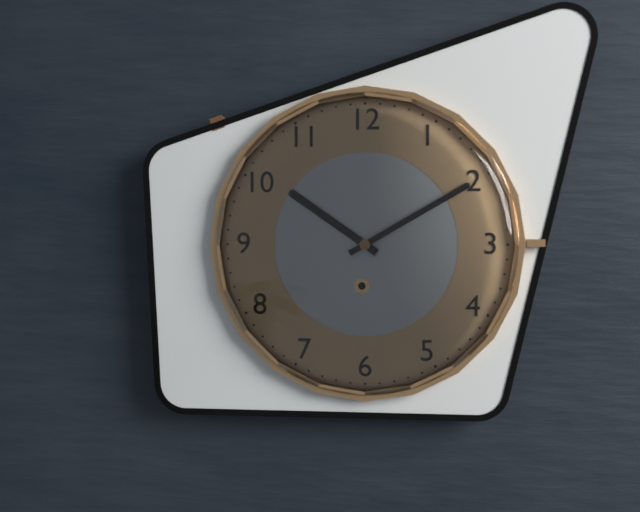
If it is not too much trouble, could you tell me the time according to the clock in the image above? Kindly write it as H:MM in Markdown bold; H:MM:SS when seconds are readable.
**10:10**
